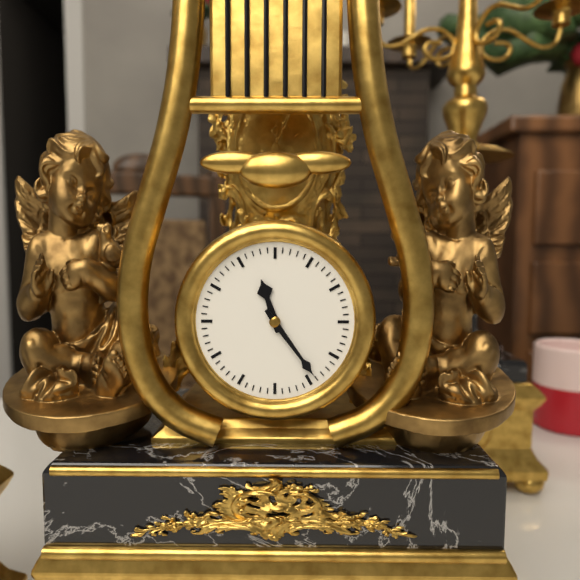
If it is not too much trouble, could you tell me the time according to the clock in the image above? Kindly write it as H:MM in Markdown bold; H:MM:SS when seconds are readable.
**11:24**
